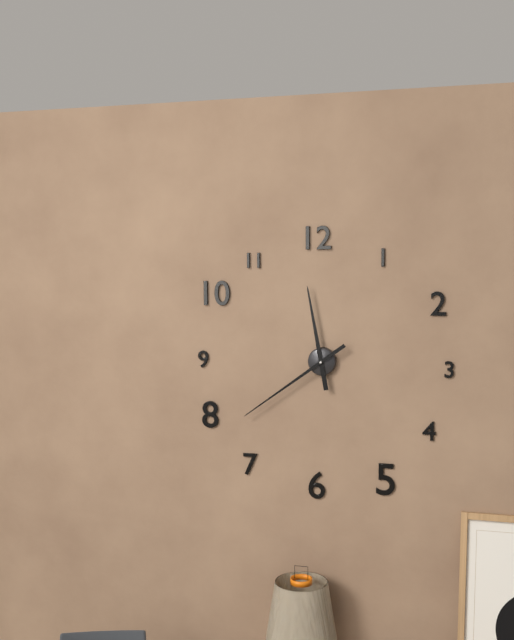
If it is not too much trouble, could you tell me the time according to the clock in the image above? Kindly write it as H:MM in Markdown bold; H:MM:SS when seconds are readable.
**11:39**
